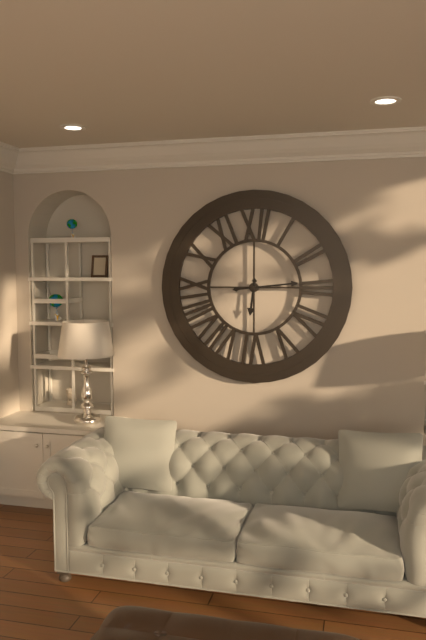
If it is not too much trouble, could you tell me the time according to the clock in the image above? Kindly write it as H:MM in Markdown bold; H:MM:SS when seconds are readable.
**6:14**
